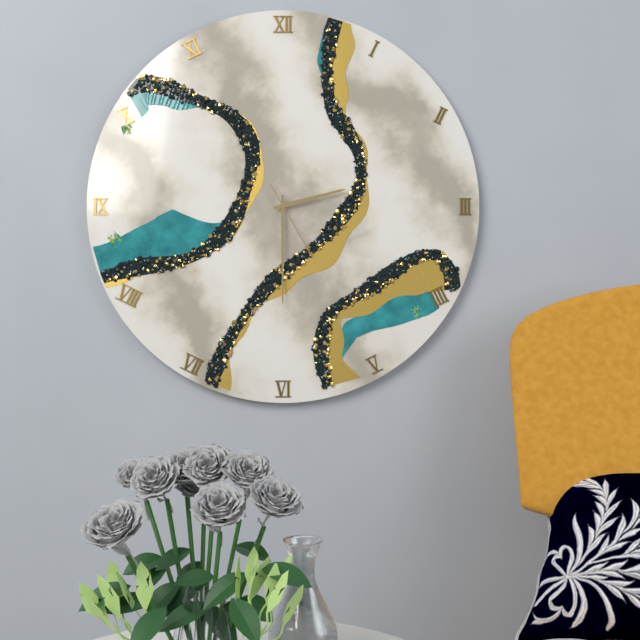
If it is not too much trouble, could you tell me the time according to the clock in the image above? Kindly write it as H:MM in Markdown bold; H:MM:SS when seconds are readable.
**2:30:25**
